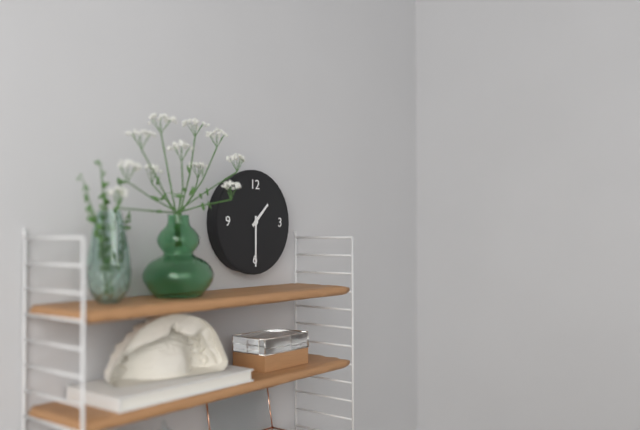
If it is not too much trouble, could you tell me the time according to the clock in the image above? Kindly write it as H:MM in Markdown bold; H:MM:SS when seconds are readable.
**1:30**
